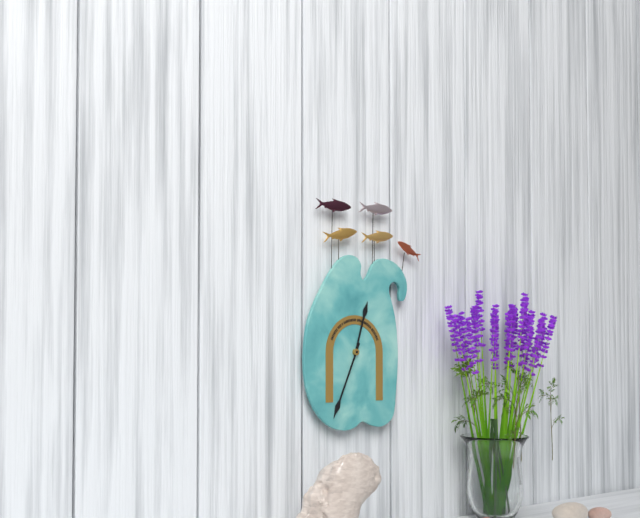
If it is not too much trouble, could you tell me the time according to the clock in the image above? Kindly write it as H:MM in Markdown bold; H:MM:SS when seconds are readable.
**12:34**
